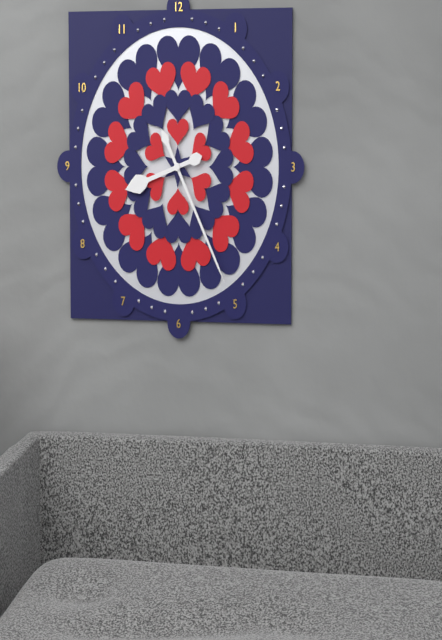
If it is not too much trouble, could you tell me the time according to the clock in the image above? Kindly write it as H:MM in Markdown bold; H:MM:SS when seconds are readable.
**8:25**
